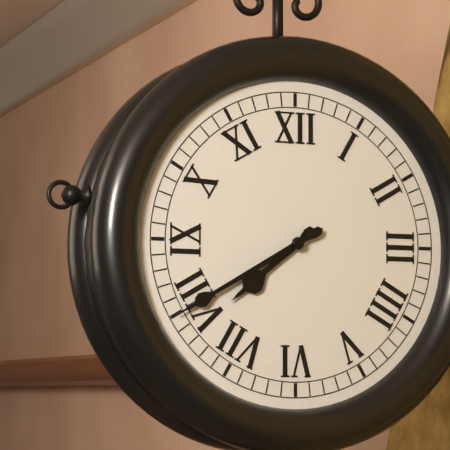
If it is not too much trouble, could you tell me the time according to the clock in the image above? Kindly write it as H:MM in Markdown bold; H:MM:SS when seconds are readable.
**7:40**
